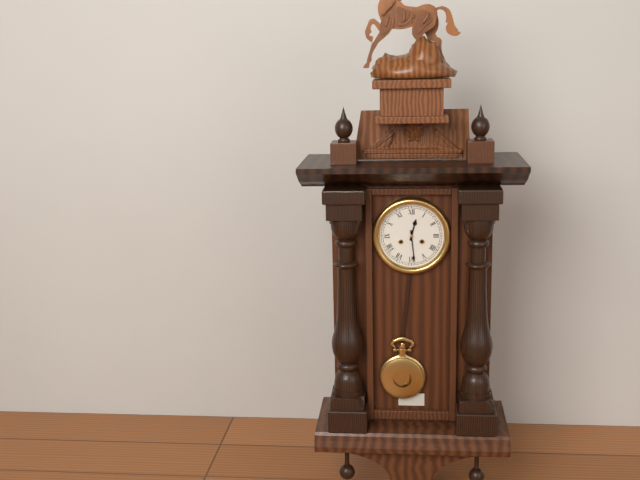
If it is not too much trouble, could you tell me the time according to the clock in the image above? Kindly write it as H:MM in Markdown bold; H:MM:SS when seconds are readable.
**12:29**
